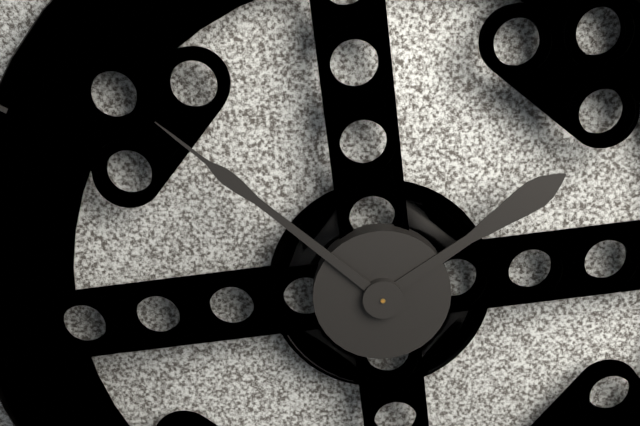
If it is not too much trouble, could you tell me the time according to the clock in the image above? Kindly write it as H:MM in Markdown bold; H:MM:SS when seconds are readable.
**1:52**
